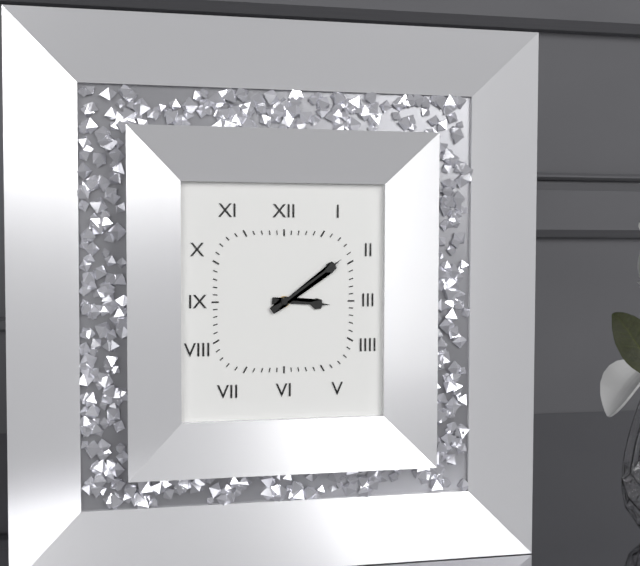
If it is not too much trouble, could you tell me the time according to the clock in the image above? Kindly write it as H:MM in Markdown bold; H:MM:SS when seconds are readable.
**3:09**
